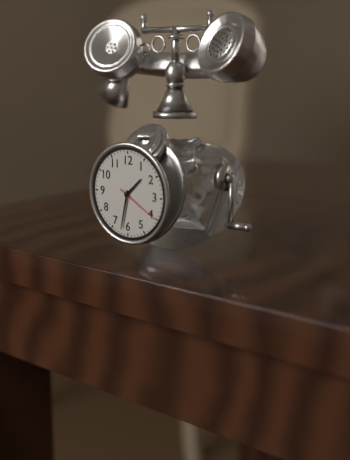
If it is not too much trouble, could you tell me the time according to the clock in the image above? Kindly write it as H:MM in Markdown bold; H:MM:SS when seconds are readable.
**1:32**
